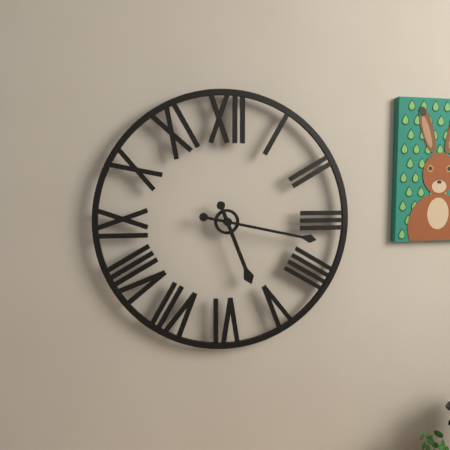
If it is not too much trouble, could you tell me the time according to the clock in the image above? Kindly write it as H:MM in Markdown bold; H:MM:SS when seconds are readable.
**5:17**
